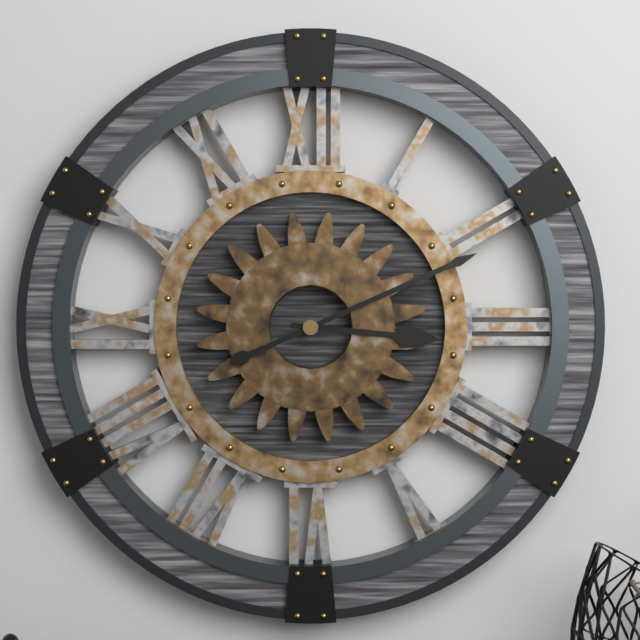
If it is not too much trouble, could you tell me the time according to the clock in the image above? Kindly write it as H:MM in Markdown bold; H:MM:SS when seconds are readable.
**3:11**
